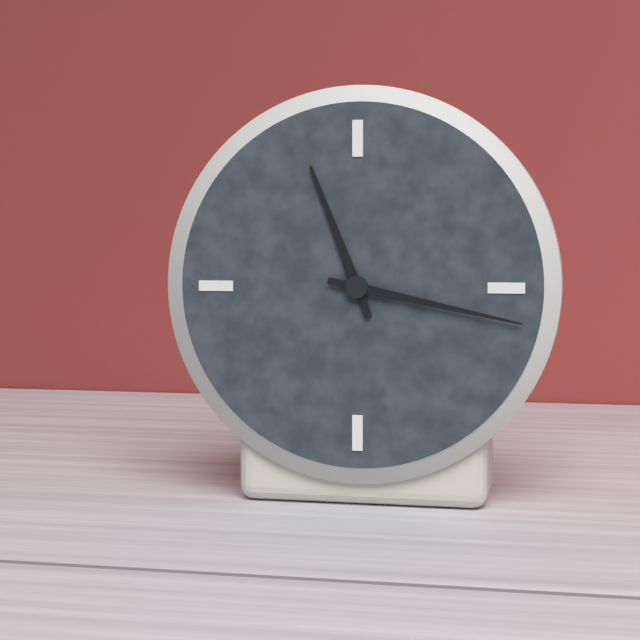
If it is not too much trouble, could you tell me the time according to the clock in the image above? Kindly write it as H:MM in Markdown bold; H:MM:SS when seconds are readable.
**11:17**
